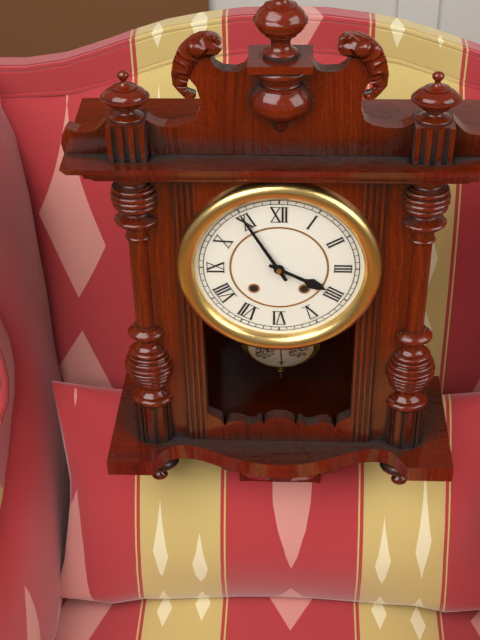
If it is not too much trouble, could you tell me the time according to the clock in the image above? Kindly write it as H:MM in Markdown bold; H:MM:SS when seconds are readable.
**3:55**
